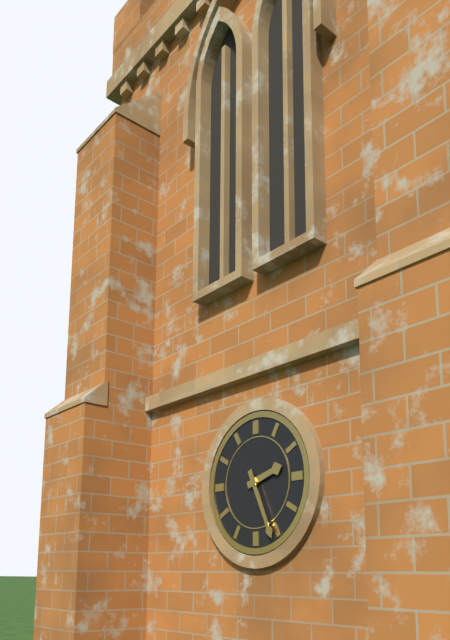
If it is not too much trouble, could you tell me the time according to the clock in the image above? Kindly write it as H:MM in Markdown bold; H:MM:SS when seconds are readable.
**2:26**
